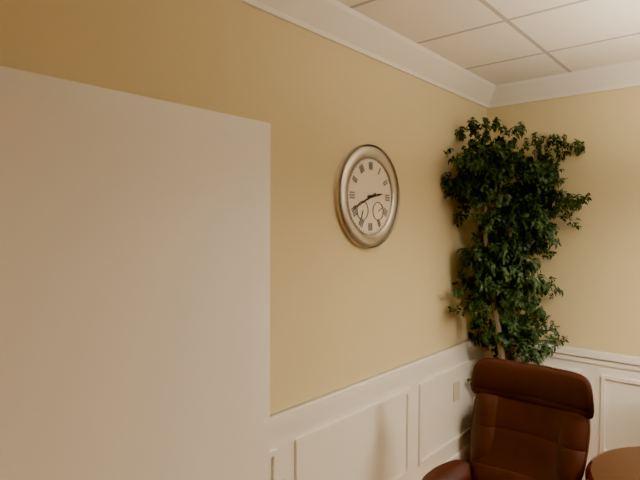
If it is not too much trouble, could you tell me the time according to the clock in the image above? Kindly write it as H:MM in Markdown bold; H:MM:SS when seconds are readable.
**2:41**
